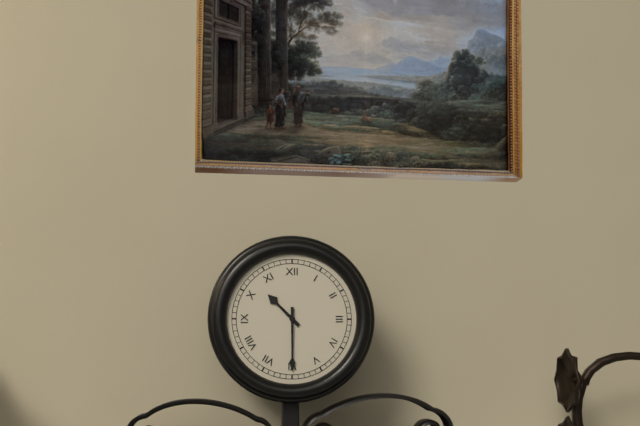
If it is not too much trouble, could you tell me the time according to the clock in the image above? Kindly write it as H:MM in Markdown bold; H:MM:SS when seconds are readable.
**10:30**
